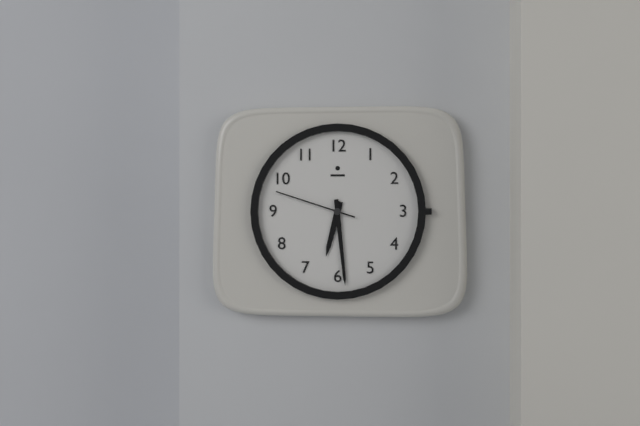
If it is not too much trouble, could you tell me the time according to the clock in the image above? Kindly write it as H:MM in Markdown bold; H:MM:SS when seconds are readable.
**6:29:48**
